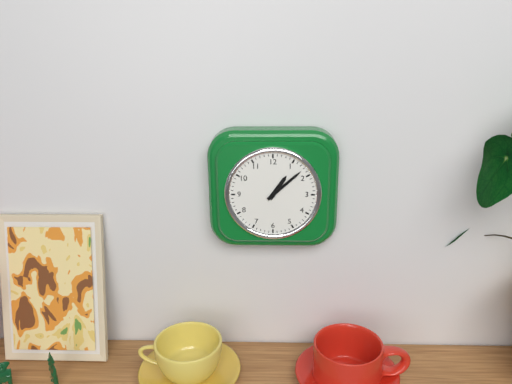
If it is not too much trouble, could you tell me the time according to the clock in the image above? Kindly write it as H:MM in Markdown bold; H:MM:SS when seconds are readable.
**1:08**
